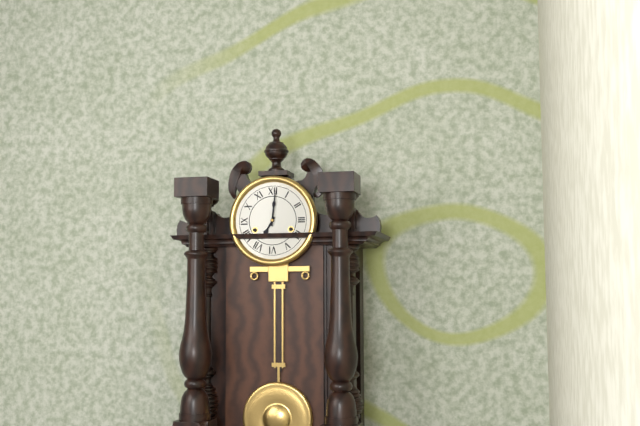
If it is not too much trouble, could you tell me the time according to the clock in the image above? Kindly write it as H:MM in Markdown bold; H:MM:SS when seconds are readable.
**7:01**
